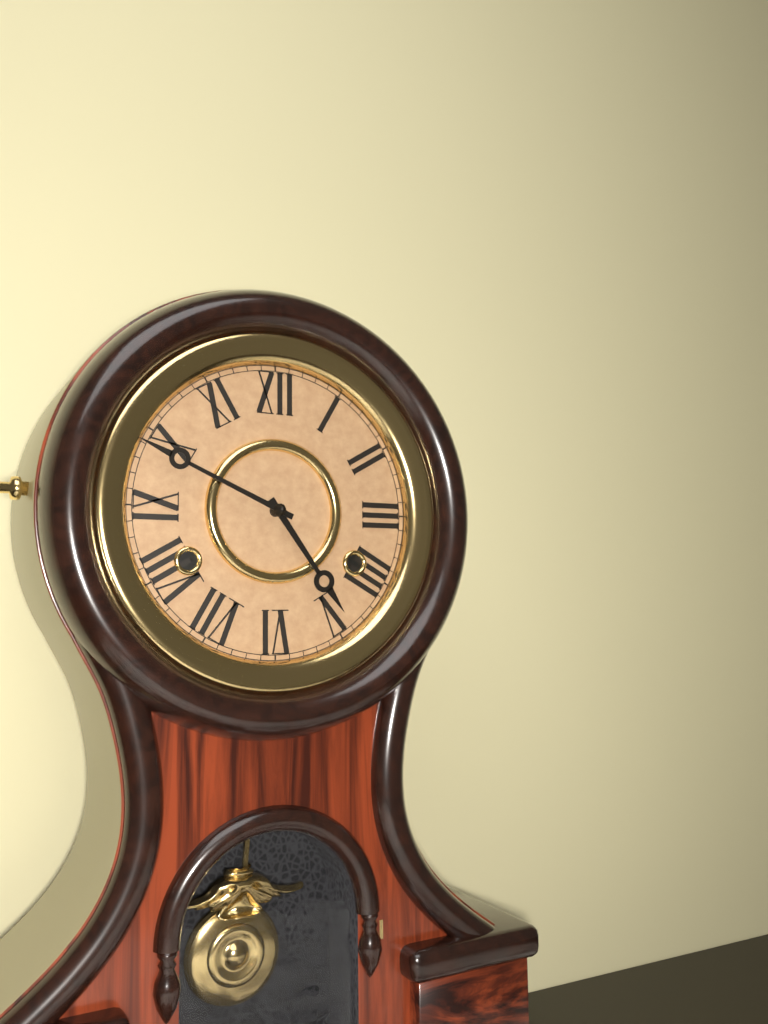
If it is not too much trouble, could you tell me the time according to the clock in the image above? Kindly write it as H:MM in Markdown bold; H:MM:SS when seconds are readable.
**4:49**
